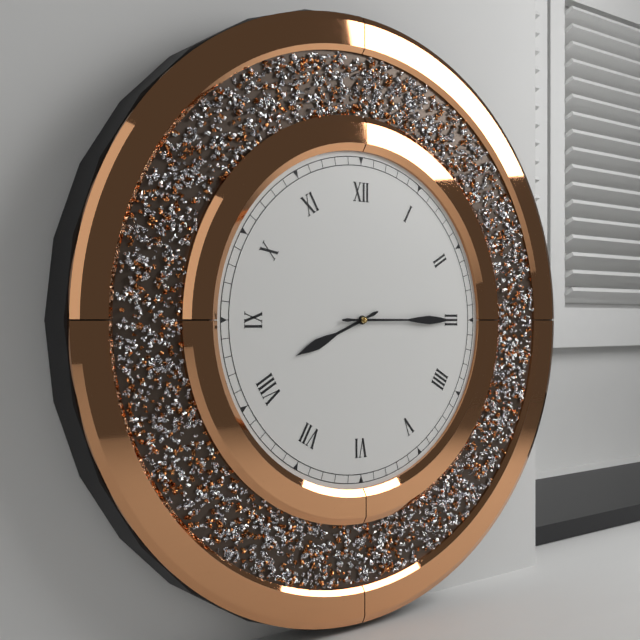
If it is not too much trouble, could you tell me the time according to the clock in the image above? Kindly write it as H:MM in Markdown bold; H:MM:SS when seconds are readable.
**8:15**
